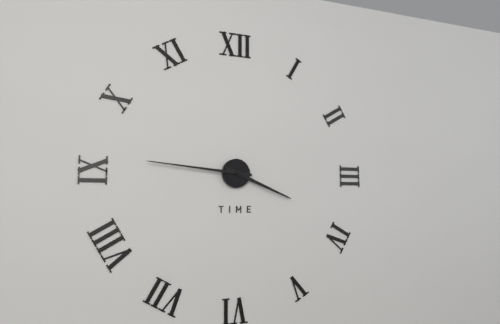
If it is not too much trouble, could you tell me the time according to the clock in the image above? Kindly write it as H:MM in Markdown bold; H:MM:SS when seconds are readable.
**3:46**
